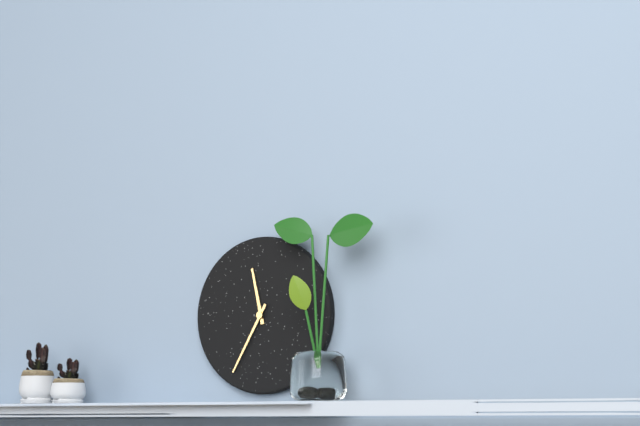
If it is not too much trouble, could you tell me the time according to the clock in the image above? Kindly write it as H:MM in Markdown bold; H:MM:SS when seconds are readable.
**11:35**
